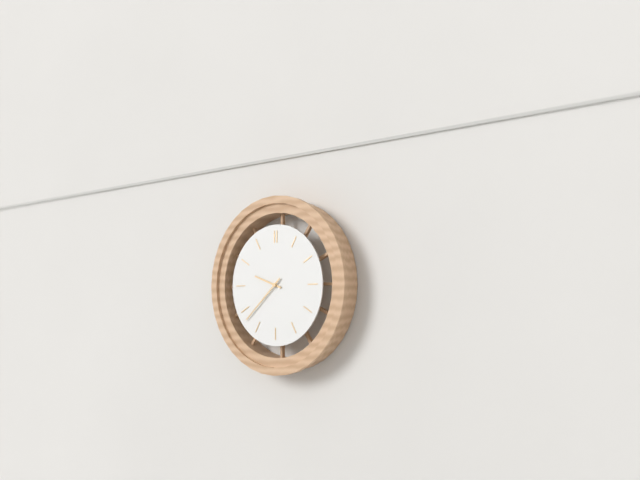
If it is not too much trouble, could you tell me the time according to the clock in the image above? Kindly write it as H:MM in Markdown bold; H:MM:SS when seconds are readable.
**9:38**
